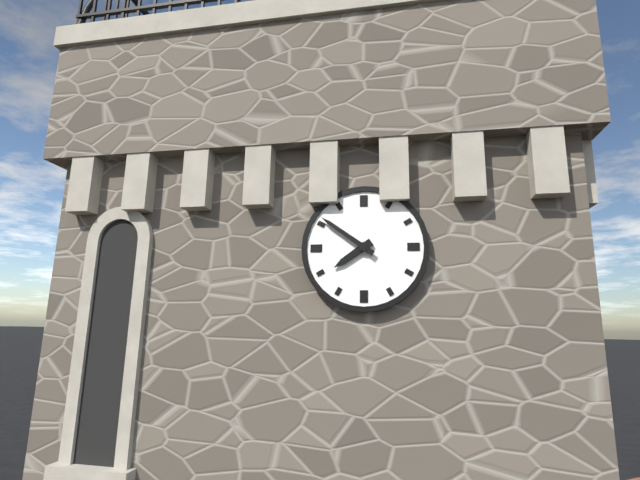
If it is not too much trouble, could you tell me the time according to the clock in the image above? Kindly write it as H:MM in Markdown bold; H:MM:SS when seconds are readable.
**7:51**
